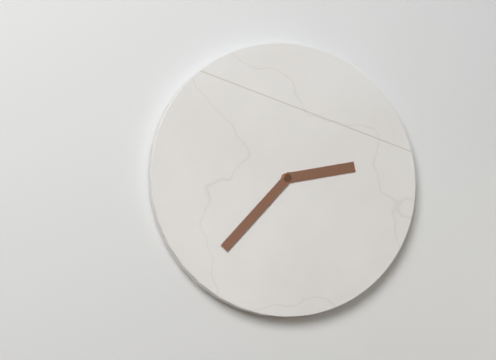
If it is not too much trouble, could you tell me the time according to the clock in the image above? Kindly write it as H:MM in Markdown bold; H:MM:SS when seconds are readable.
**2:37**
